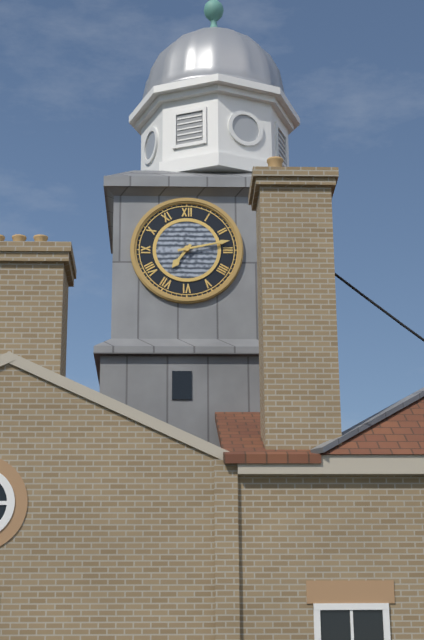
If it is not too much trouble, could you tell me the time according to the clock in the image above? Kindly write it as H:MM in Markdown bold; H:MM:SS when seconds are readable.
**7:13**
